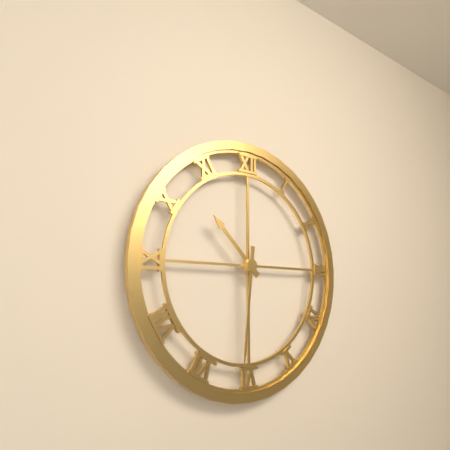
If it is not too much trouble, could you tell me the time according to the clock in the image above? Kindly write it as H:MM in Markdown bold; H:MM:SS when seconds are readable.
**10:31**
